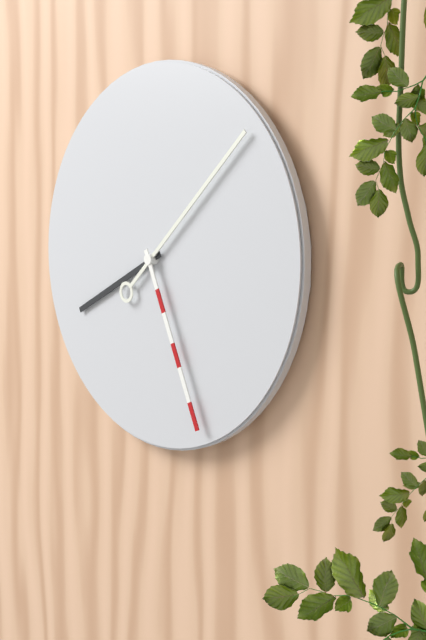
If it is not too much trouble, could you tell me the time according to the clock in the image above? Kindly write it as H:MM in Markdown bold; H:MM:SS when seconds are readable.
**8:08:26**
